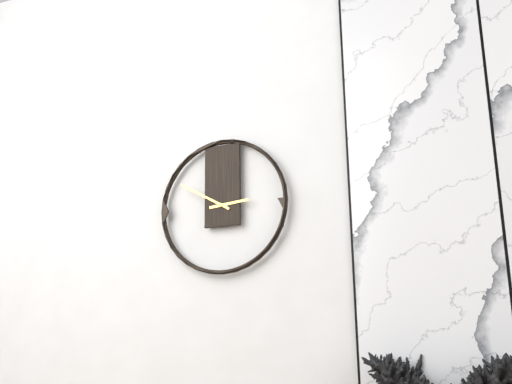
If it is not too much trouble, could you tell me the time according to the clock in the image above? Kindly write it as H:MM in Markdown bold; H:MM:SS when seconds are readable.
**2:50**
